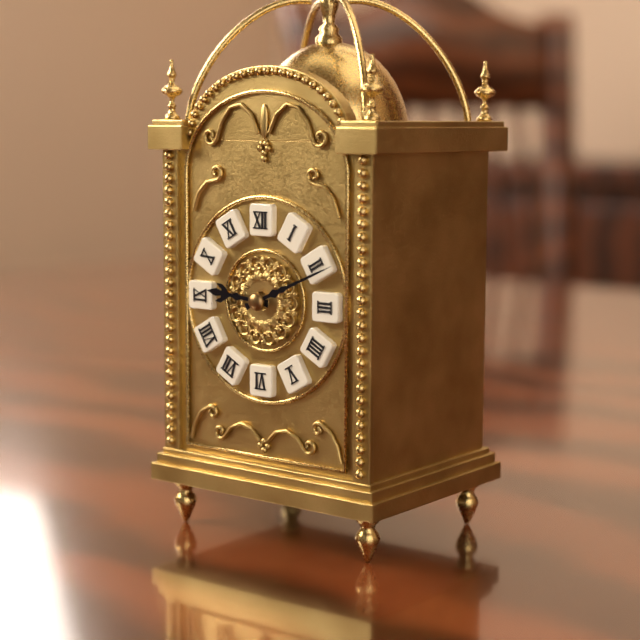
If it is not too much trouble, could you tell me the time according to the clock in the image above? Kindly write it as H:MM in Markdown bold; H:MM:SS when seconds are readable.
**9:11**
